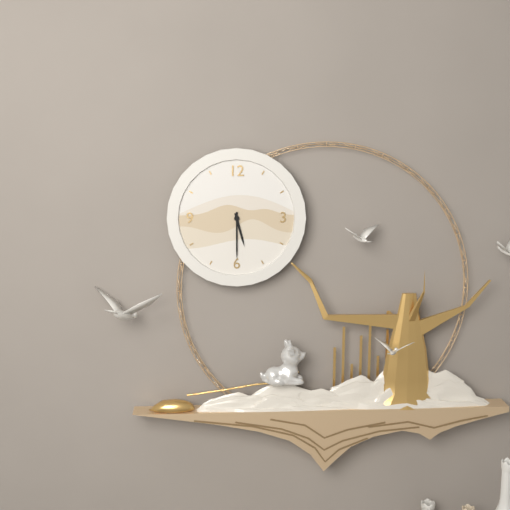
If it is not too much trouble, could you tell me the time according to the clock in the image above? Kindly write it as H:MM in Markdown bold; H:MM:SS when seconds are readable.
**5:30**
